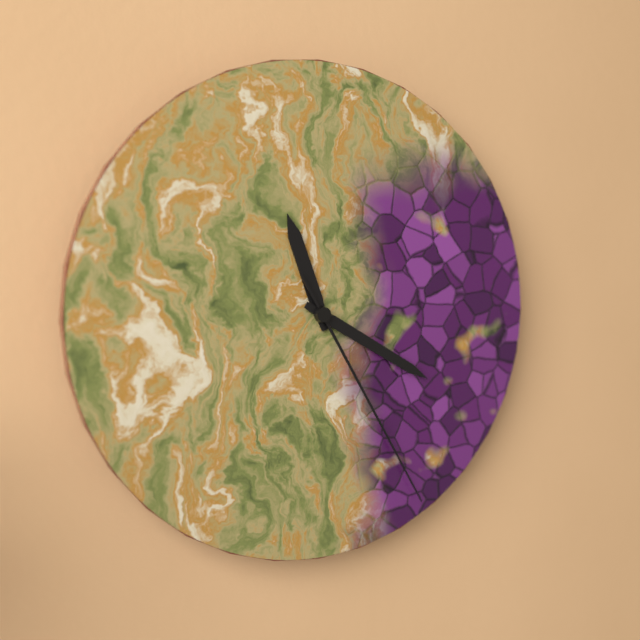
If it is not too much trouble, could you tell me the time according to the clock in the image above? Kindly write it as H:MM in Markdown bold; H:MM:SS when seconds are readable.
**11:20:25**
